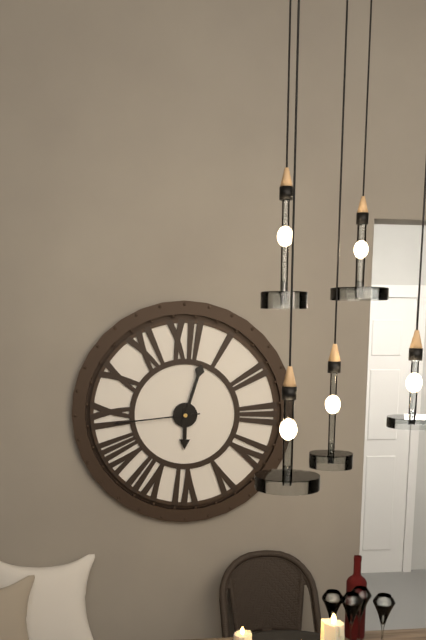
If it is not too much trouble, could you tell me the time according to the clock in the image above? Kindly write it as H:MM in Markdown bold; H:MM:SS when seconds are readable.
**6:03:44**
